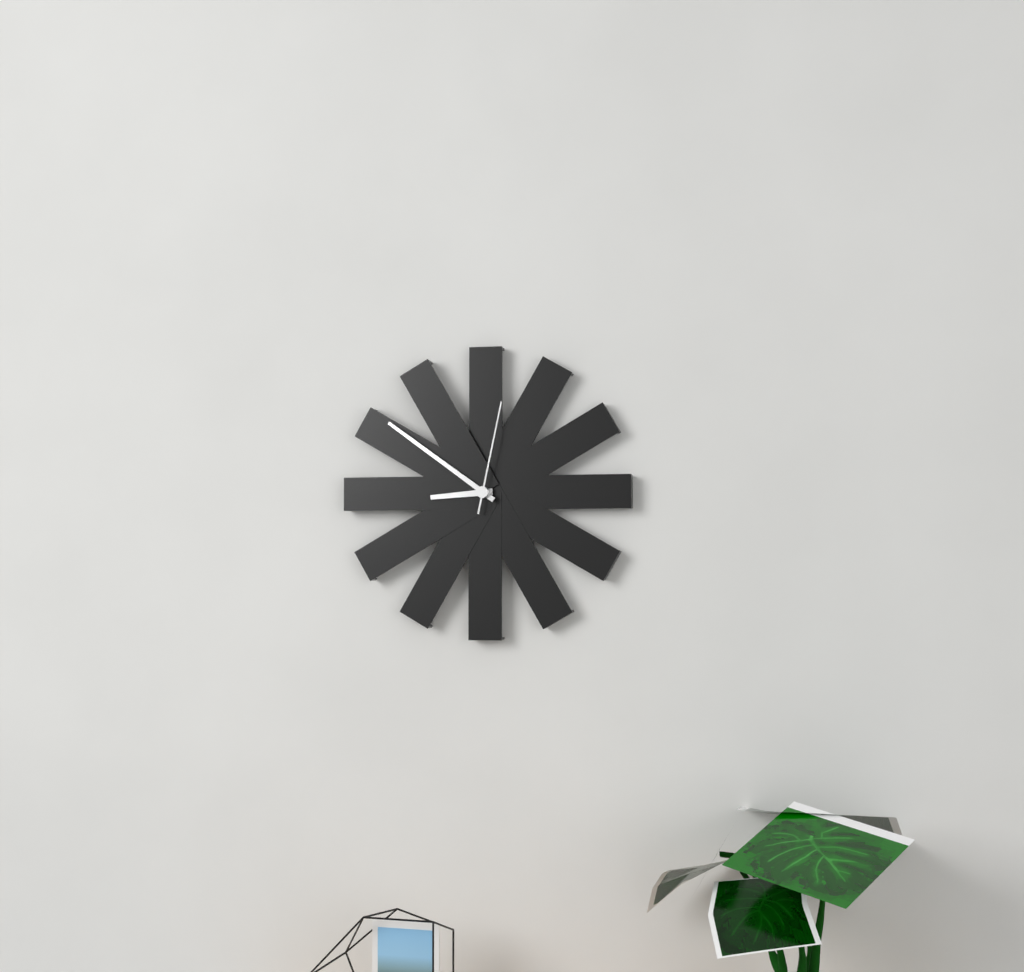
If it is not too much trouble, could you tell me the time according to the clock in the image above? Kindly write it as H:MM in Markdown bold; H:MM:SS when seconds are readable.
**8:51:02**
